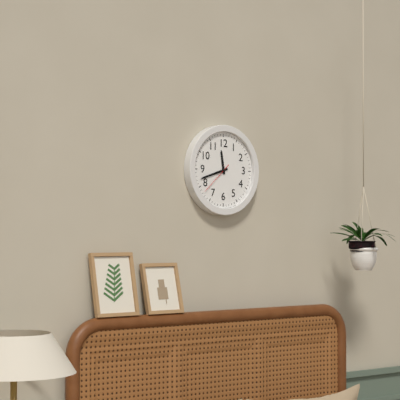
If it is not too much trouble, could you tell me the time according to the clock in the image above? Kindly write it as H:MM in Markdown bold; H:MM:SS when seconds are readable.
**11:42**
